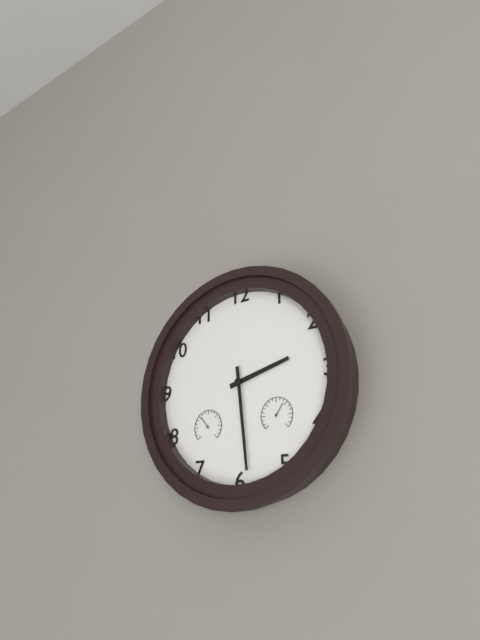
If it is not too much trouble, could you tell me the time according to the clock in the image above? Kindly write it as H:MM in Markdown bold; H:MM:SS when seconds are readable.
**2:29**
